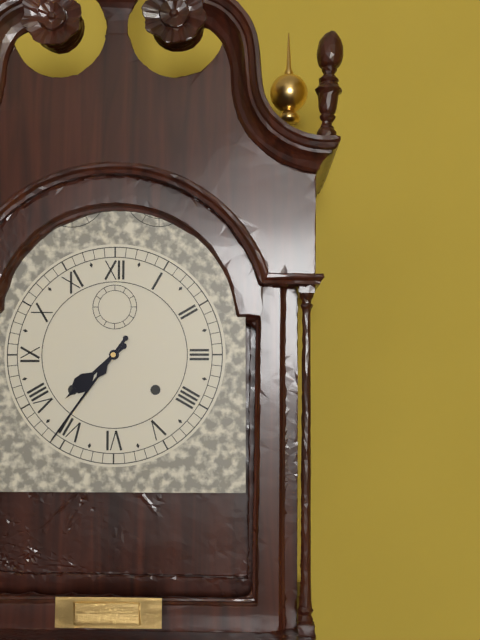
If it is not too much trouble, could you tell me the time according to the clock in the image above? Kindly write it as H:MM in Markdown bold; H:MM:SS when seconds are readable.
**7:36**
